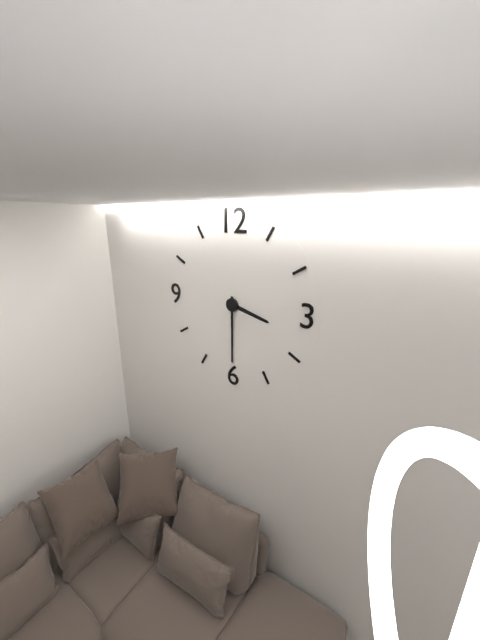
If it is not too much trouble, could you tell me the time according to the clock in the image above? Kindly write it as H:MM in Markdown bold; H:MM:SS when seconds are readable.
**3:30**
